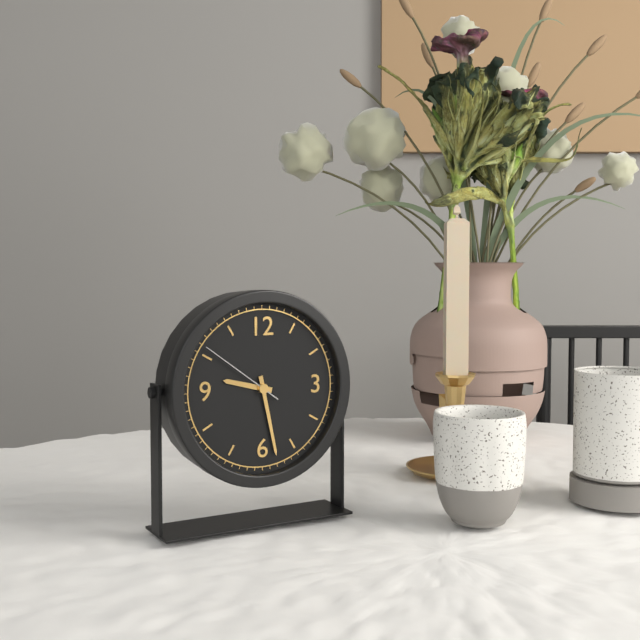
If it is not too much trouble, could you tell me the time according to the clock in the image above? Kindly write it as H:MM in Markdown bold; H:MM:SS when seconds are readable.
**9:28:51**
